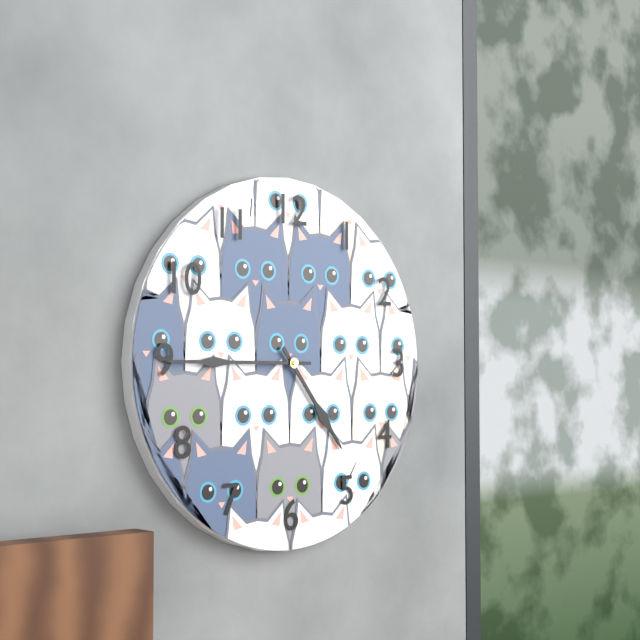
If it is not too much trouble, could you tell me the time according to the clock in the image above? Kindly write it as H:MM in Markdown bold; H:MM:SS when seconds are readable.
**4:45**
